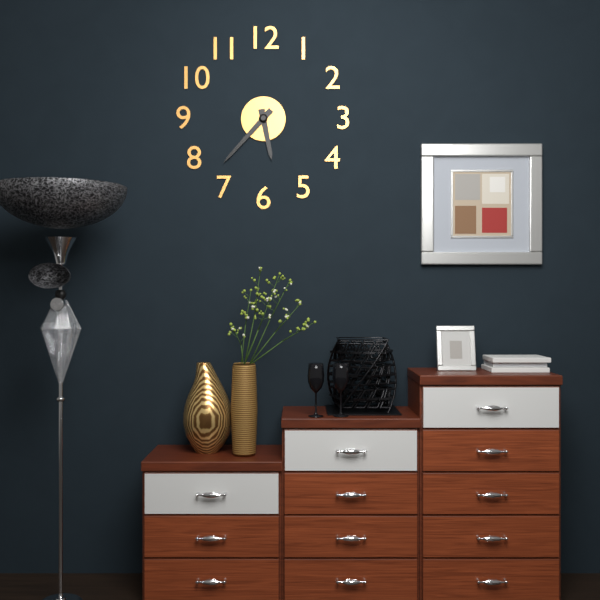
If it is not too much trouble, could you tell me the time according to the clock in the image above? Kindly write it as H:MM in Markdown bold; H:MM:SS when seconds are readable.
**5:37**
